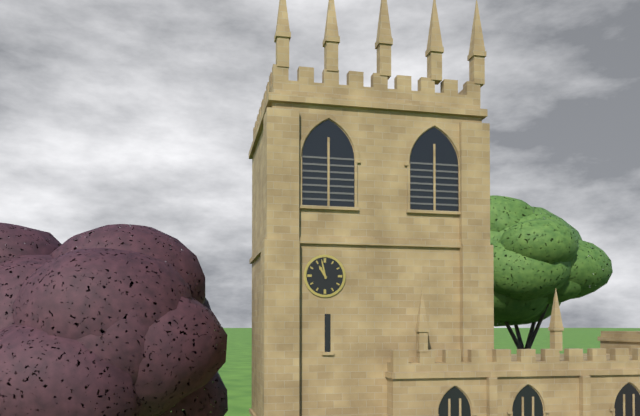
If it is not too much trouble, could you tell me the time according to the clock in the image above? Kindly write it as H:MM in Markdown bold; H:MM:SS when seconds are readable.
**10:58**
